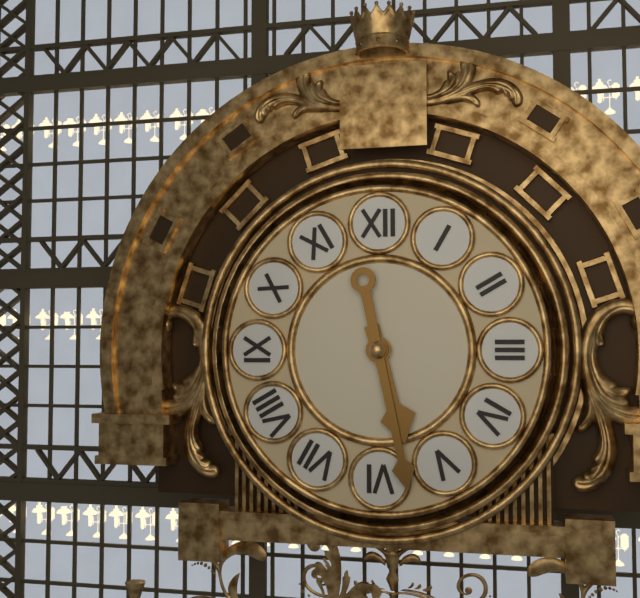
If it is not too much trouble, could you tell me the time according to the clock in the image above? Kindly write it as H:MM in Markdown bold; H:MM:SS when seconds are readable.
**5:28**
